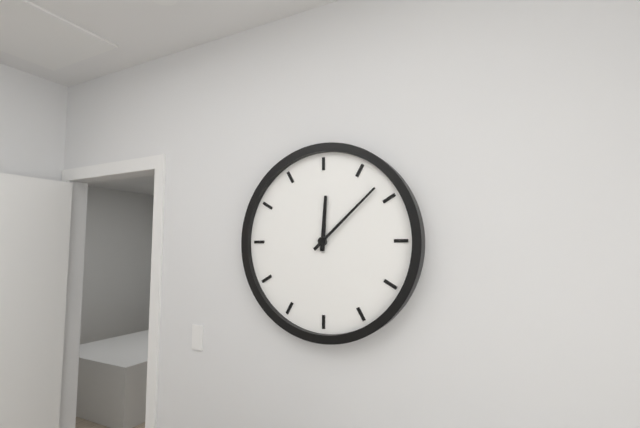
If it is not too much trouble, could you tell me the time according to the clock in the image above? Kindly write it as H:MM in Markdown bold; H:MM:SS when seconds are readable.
**12:08**
